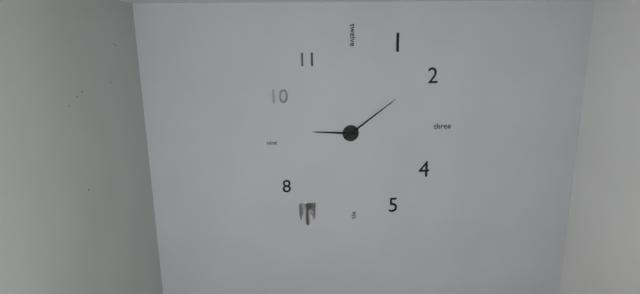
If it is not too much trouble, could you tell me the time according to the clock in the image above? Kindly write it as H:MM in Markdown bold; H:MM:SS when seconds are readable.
**9:09**
